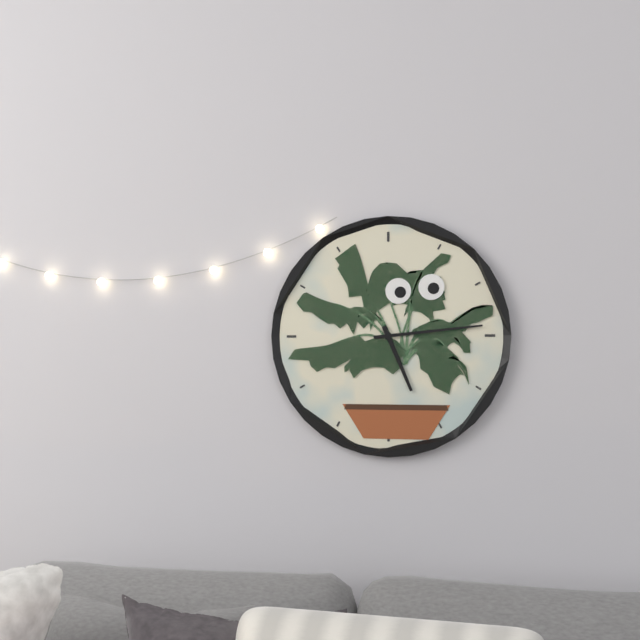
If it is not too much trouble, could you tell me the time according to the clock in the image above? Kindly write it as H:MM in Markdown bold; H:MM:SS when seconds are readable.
**5:14**
